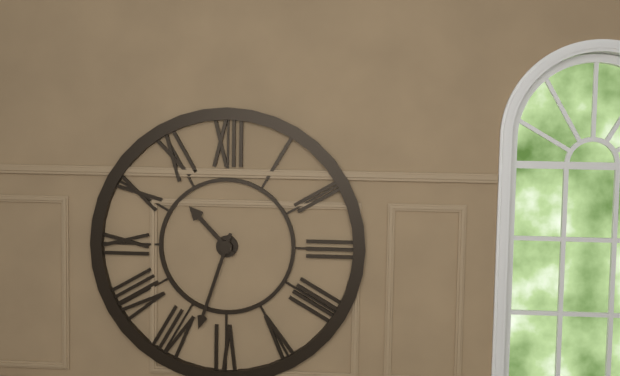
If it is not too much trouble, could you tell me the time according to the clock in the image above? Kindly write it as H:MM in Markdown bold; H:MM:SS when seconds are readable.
**10:33**
